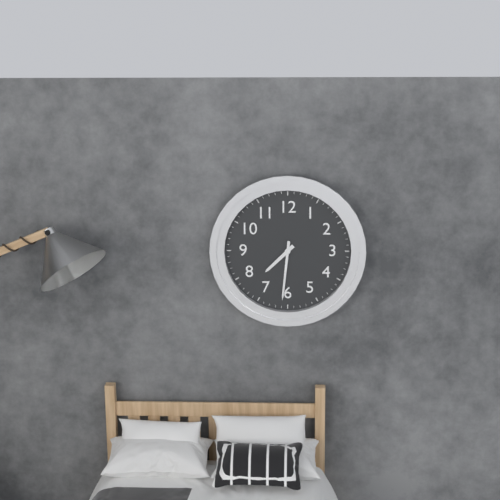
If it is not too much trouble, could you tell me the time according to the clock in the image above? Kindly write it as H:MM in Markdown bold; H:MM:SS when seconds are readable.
**7:31**
